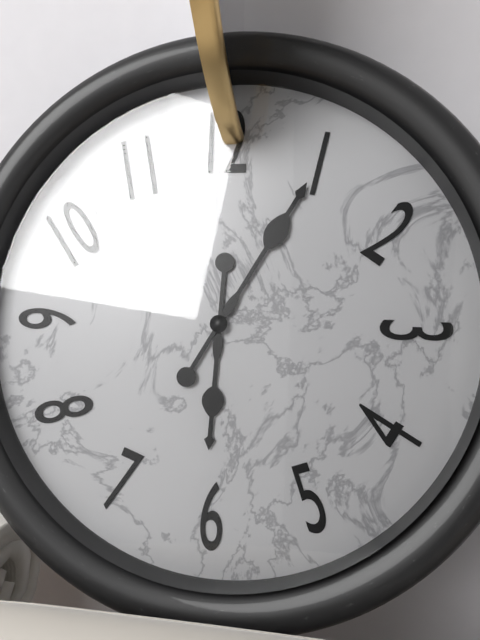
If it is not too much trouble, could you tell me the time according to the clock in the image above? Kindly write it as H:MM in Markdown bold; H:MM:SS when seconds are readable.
**6:05**
